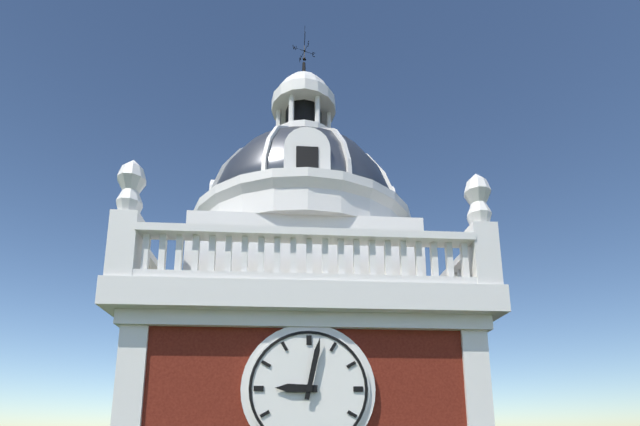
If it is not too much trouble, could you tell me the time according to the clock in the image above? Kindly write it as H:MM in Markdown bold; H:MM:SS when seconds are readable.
**9:02**
